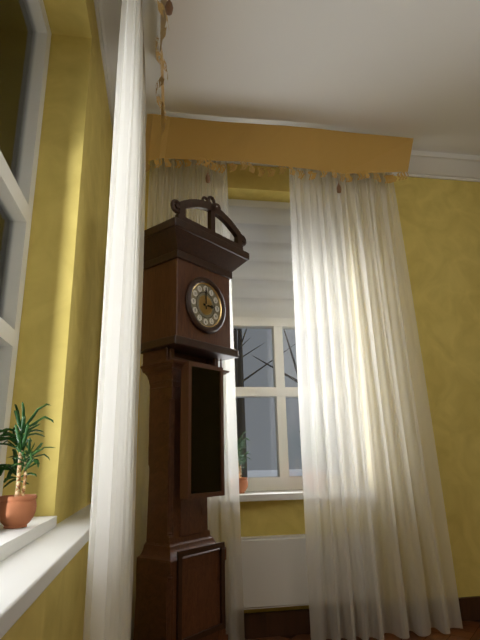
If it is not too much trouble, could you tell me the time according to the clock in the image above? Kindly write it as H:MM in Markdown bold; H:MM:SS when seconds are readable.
**3:00**
